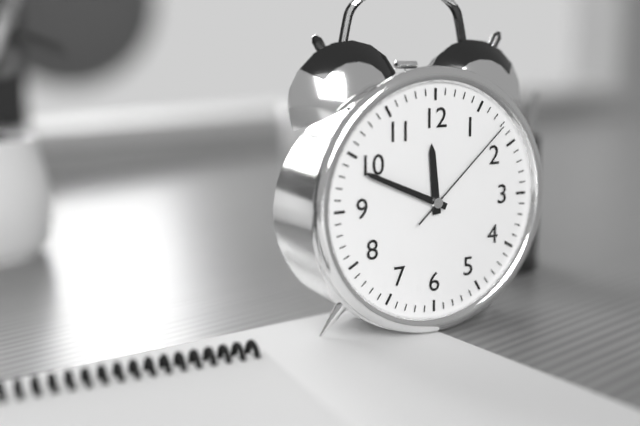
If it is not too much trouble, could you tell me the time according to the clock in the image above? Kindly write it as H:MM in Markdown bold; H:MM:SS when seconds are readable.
**11:49:08**
